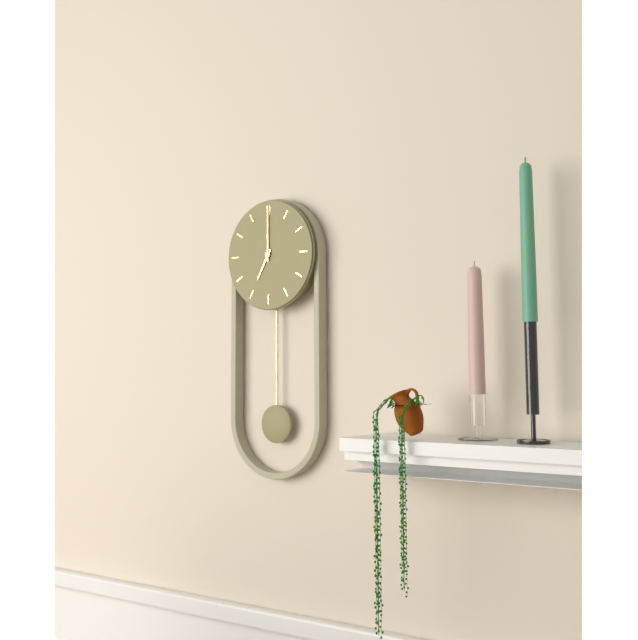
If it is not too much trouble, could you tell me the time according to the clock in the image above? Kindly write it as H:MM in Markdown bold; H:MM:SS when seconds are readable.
**7:00**
